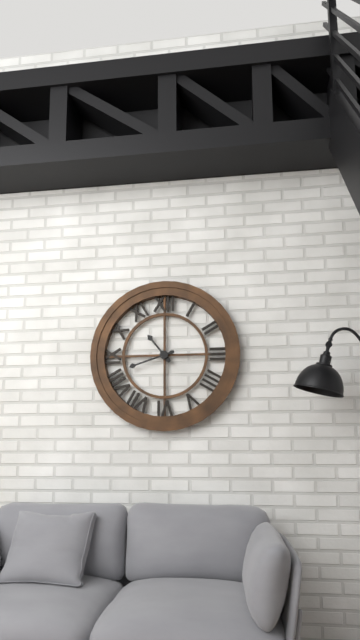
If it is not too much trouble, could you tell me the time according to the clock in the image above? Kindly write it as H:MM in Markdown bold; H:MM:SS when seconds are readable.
**10:42**
